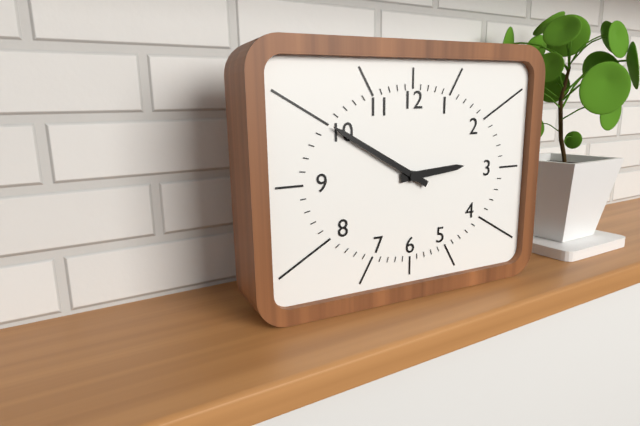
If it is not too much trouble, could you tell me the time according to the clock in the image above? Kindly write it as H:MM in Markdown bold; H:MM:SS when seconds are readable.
**2:50**
